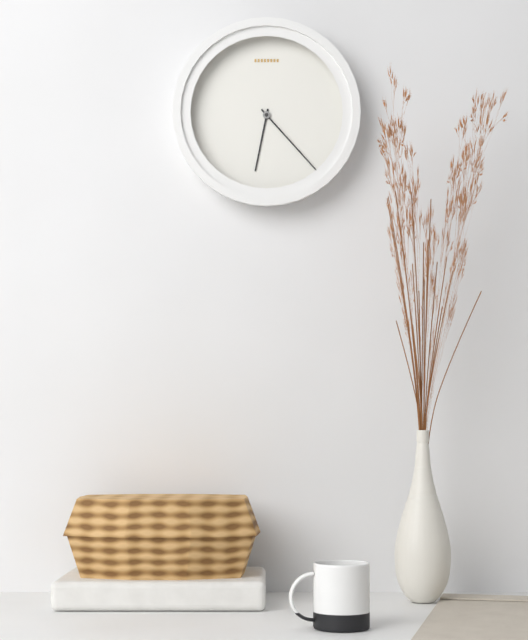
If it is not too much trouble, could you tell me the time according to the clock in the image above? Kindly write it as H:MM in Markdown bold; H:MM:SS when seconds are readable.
**6:23**
